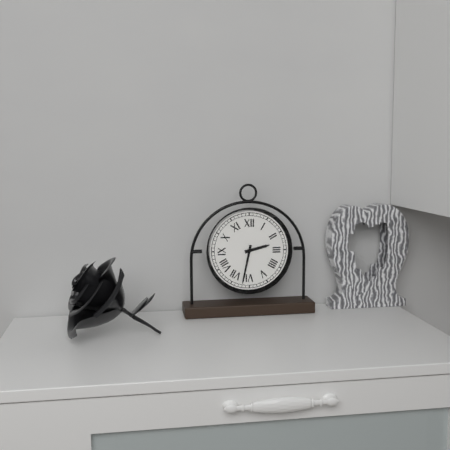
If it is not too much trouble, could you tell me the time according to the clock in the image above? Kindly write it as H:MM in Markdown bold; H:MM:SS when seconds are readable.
**2:32**
